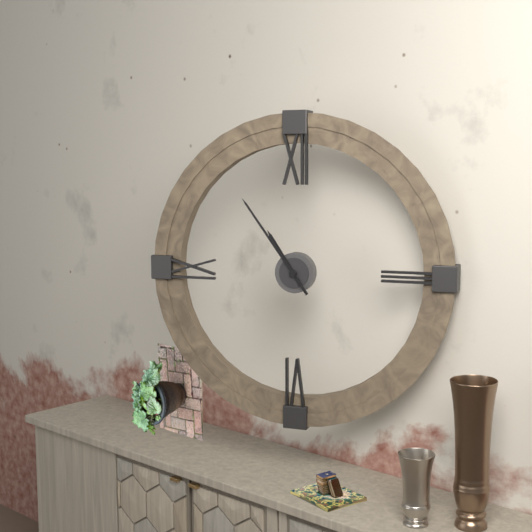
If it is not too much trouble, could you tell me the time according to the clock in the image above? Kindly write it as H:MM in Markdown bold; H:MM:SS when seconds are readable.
**10:54**
